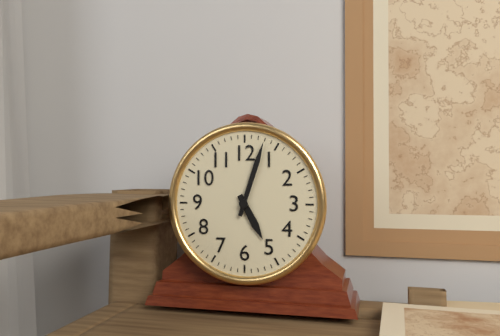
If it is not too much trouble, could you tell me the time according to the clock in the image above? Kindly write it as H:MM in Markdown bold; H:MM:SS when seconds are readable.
**5:03**
